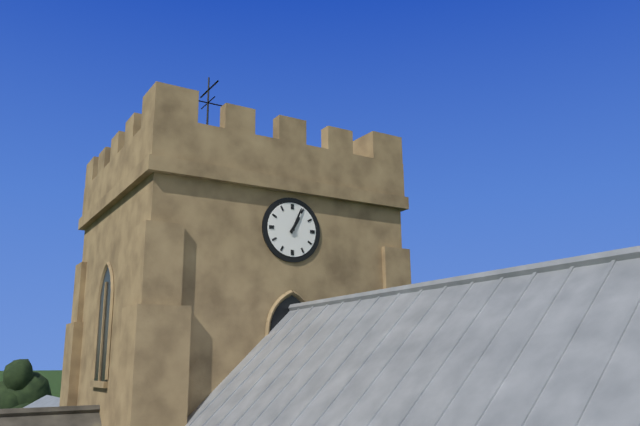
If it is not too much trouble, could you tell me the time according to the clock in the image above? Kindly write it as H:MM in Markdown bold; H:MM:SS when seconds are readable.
**1:04**
